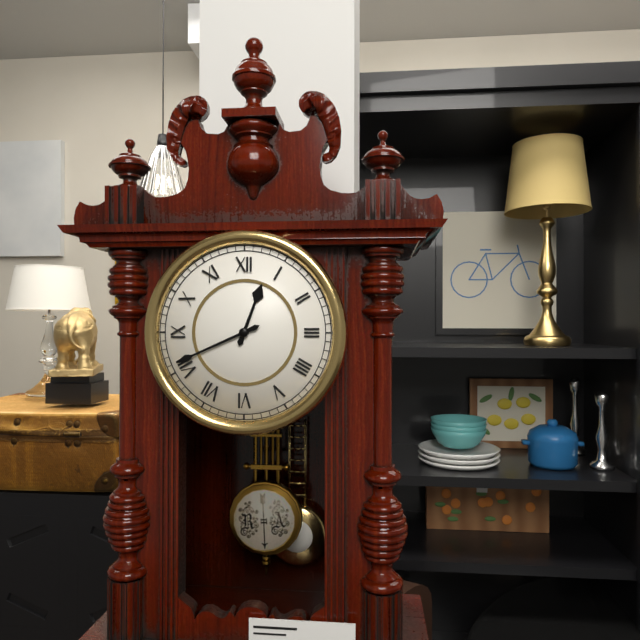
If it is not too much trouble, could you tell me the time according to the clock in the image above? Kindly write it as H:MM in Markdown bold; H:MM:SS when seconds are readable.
**12:41**
